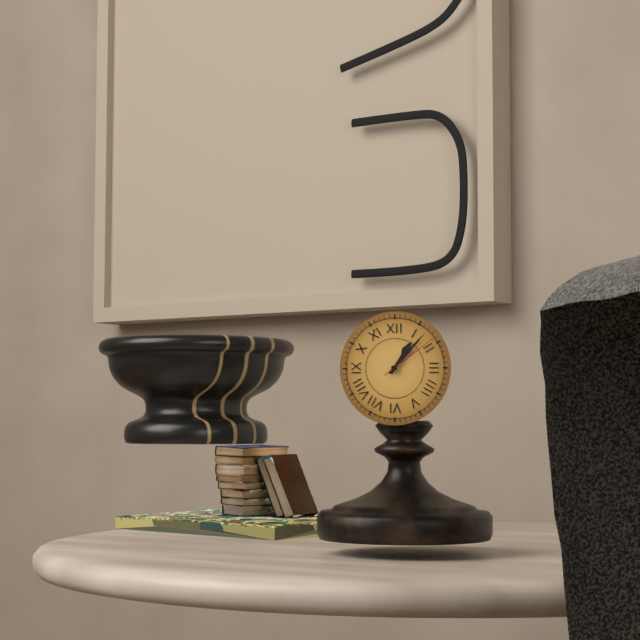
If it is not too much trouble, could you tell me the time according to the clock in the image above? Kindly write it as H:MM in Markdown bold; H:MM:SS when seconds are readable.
**1:07:09**
